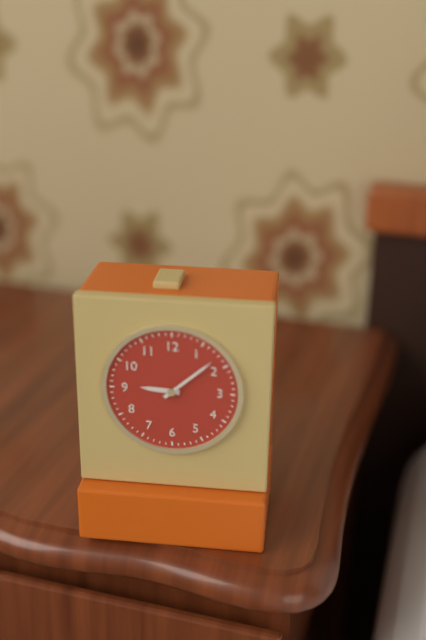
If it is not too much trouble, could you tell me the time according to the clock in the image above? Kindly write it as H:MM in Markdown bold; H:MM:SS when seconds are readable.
**9:08**
